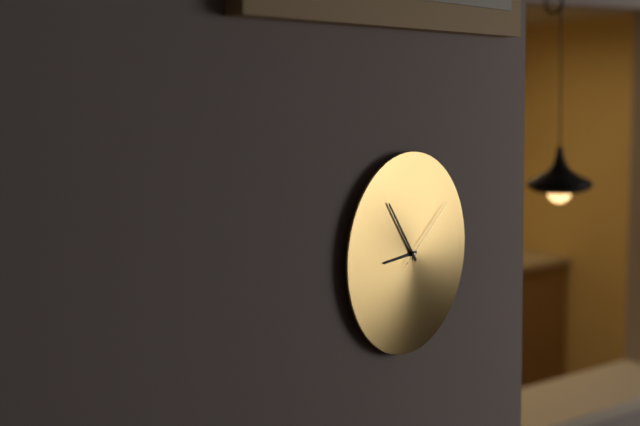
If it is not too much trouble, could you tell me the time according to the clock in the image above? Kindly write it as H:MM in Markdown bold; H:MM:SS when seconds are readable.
**8:54:09**
